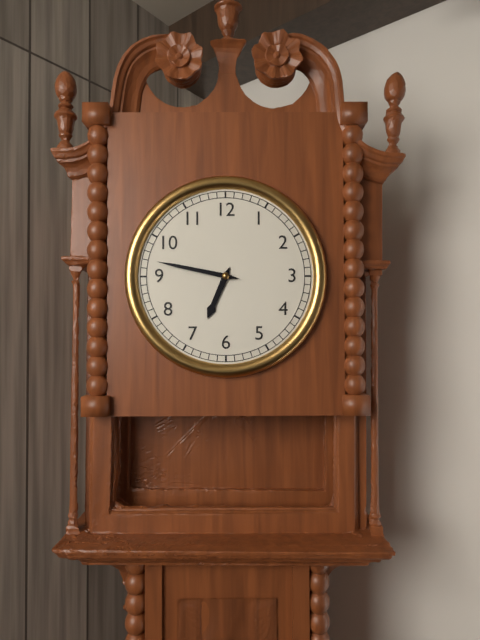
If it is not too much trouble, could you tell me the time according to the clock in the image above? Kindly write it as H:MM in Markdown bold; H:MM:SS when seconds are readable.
**6:47**
